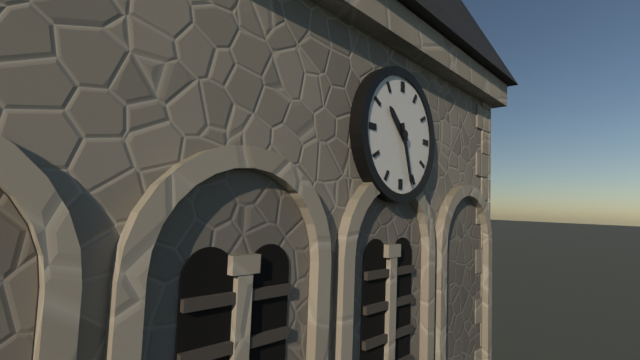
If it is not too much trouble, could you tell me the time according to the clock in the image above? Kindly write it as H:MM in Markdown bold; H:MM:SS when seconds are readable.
**10:27**
